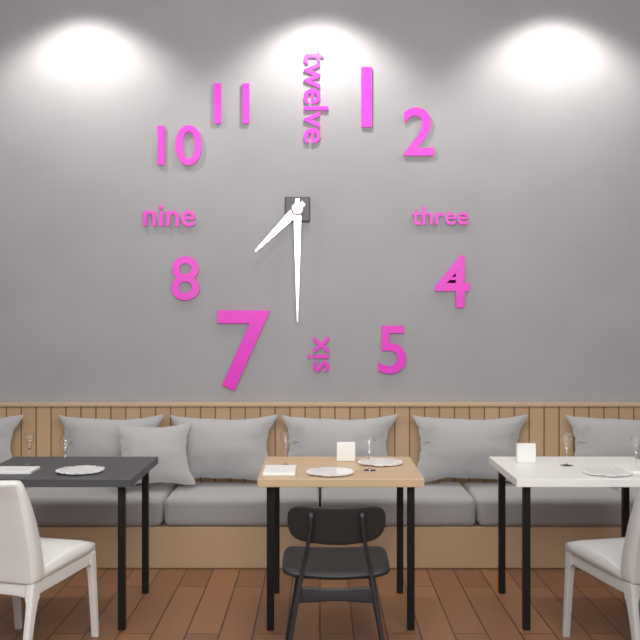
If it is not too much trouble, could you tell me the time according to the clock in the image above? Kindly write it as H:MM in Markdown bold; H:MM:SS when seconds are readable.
**7:30**
